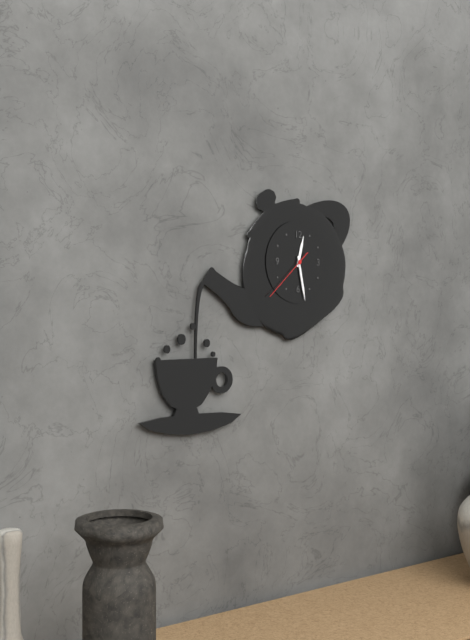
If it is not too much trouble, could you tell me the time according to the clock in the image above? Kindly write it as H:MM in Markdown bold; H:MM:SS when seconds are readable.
**12:28:38**
